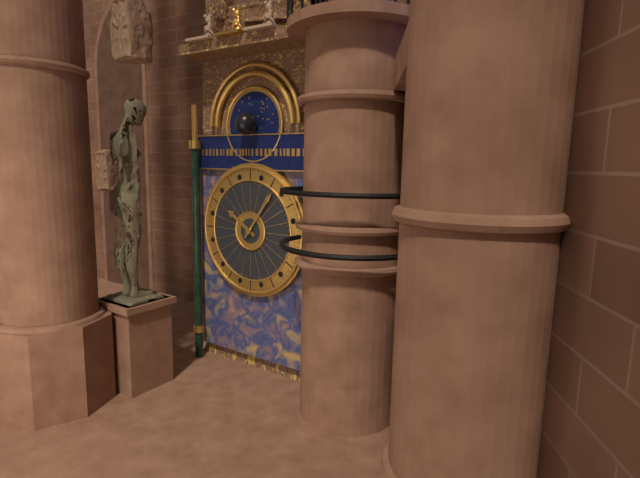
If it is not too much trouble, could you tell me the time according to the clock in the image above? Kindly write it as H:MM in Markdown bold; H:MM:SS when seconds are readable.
**10:06**
